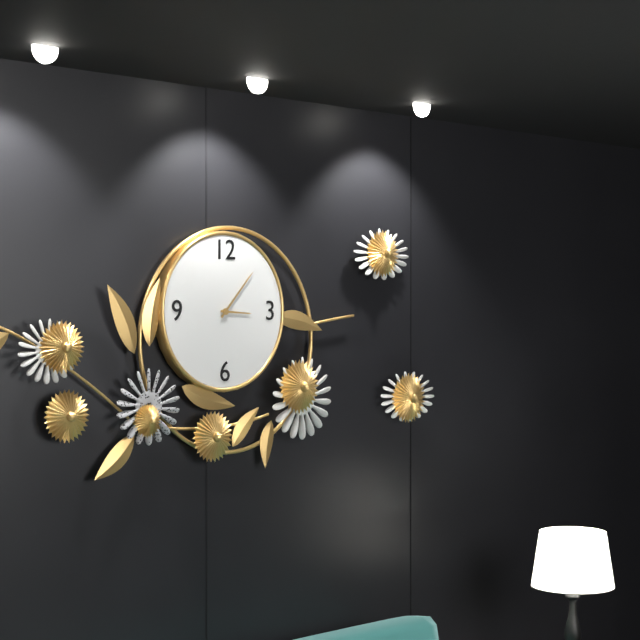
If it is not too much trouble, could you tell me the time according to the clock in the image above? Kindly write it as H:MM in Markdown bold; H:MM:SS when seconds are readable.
**3:07**
